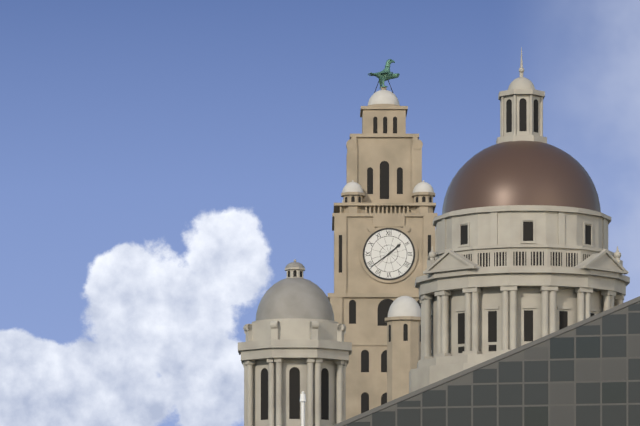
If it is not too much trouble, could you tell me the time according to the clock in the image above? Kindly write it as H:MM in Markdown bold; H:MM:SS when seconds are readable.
**1:39**
